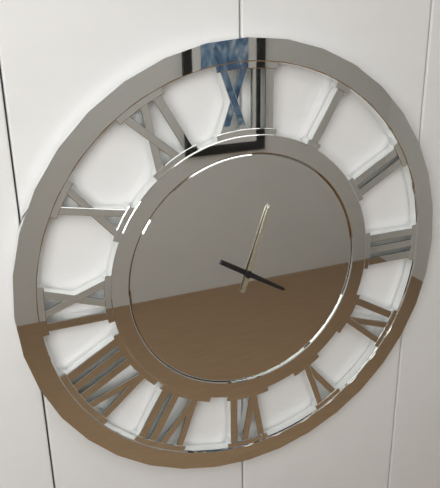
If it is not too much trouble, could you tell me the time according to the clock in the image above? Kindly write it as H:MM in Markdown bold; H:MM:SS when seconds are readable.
**4:03**
